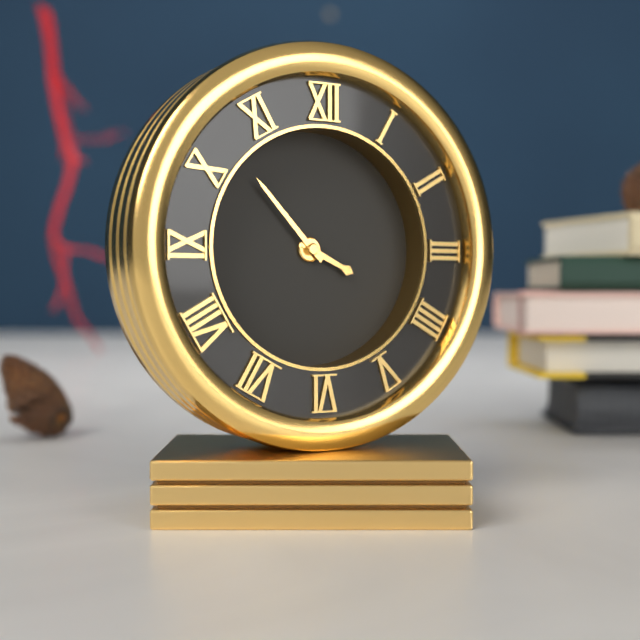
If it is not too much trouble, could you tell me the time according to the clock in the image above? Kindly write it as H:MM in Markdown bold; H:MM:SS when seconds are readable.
**3:53**
